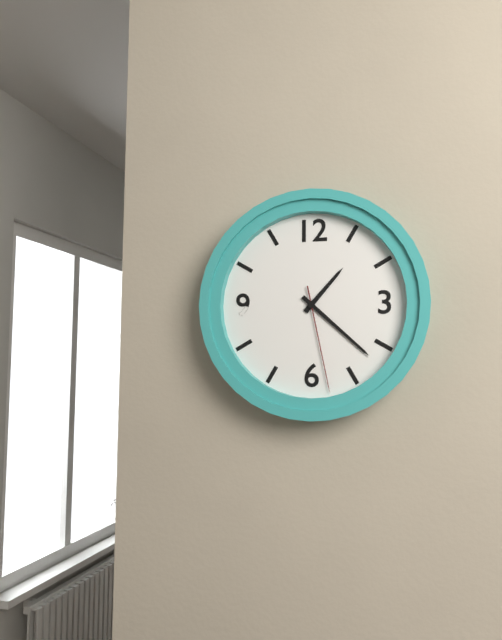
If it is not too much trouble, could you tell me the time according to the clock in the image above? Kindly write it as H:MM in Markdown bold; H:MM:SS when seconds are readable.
**1:22:28**
